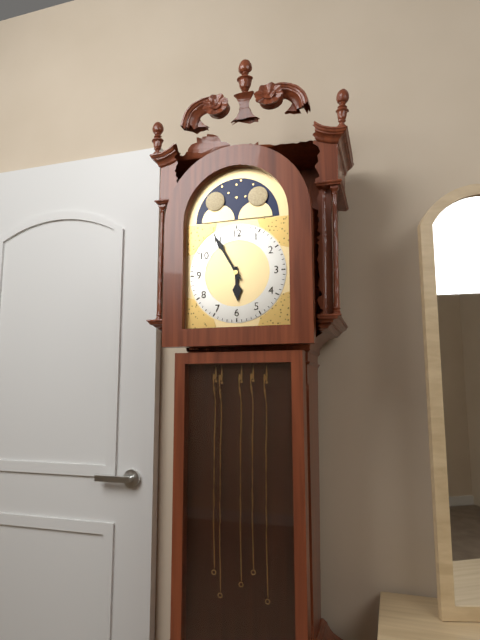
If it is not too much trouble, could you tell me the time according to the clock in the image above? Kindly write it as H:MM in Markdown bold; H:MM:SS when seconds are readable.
**5:55**
